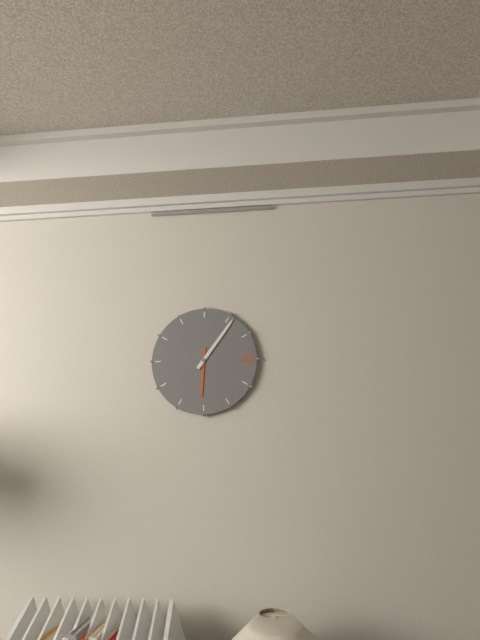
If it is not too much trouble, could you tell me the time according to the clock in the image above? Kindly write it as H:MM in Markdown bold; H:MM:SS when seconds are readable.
**6:06**
